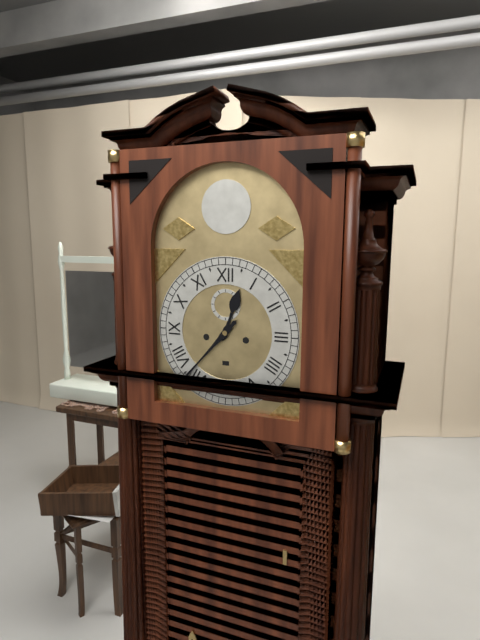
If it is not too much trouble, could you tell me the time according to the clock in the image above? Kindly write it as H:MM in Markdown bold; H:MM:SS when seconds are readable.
**12:37**
